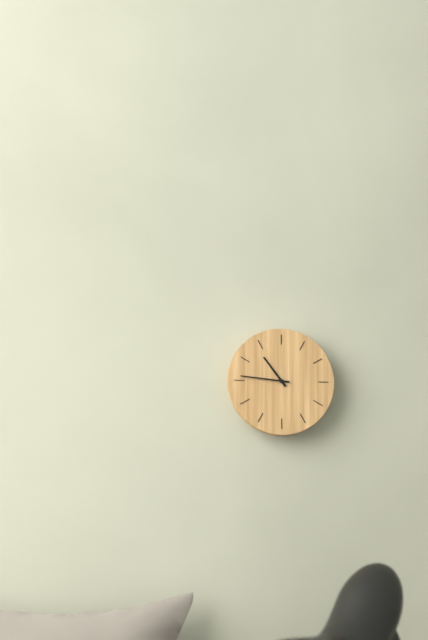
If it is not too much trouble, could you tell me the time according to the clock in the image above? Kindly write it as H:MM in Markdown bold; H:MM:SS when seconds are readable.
**10:46**
